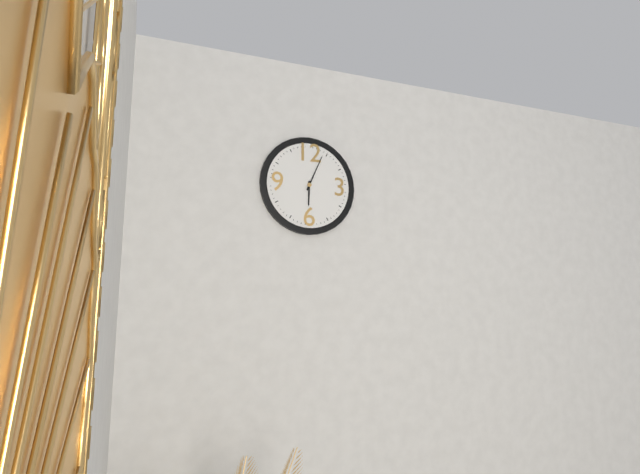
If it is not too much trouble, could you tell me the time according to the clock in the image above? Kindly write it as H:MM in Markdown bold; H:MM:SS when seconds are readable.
**6:04**
